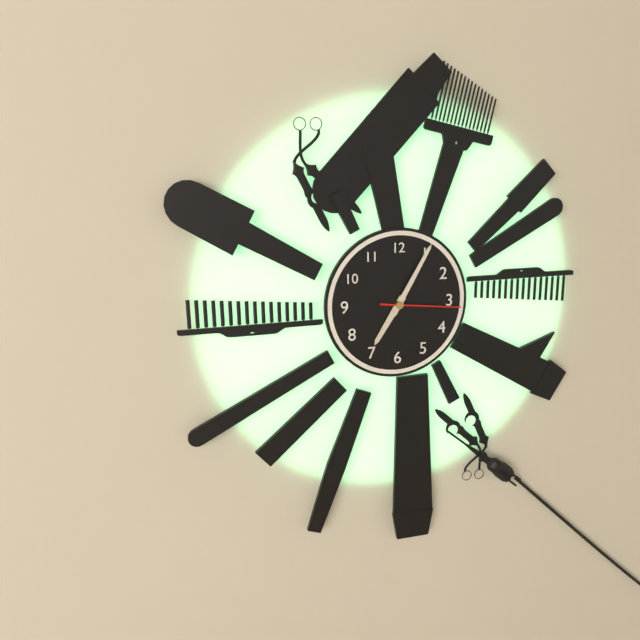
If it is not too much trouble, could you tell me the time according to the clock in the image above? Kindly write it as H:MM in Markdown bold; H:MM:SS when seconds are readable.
**7:05:16**
